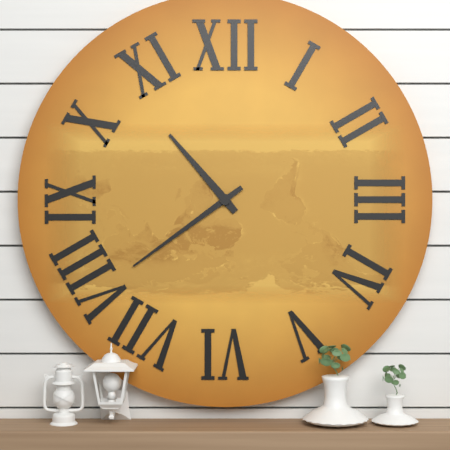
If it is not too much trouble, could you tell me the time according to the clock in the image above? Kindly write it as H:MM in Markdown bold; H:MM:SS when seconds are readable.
**10:39**
